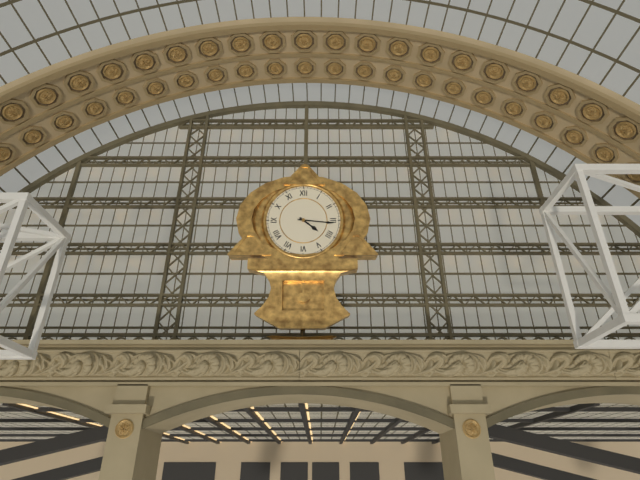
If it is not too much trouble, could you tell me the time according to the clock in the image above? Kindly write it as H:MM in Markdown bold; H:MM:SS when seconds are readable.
**4:16**
